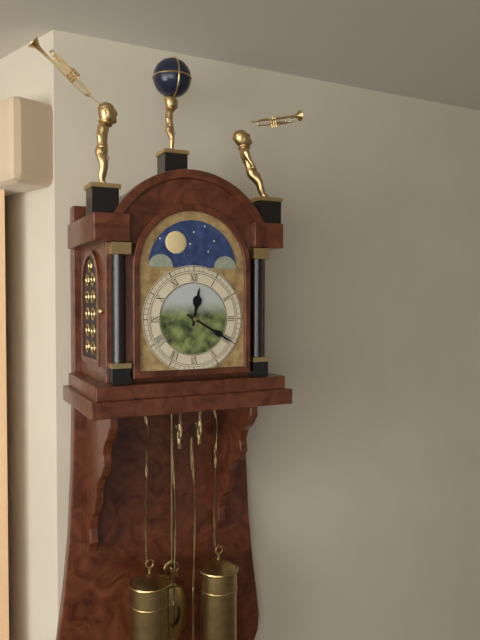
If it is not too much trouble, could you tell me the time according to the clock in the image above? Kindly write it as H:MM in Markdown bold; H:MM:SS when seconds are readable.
**12:20**
